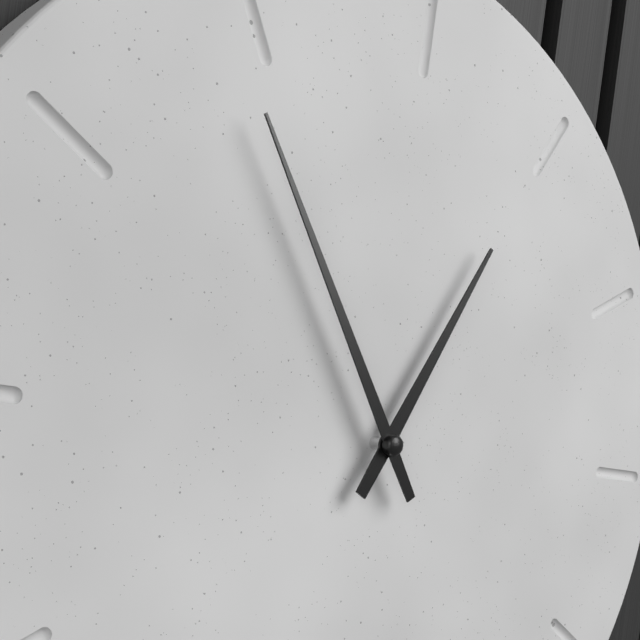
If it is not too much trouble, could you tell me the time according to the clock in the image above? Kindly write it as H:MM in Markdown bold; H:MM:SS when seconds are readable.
**12:54**
